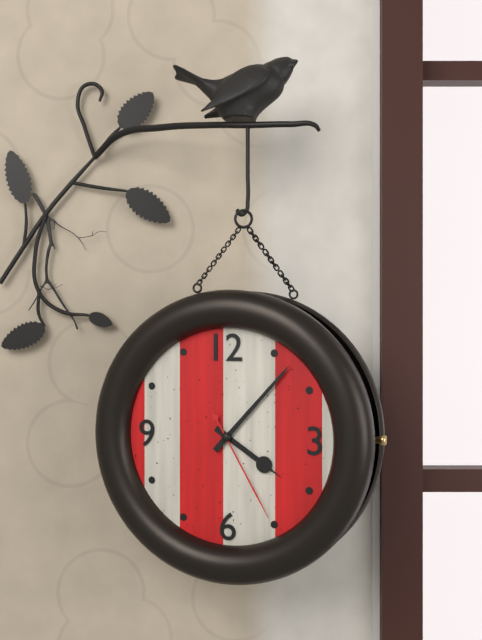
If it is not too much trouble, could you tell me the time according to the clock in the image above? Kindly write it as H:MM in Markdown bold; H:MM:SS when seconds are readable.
**4:07:25**
